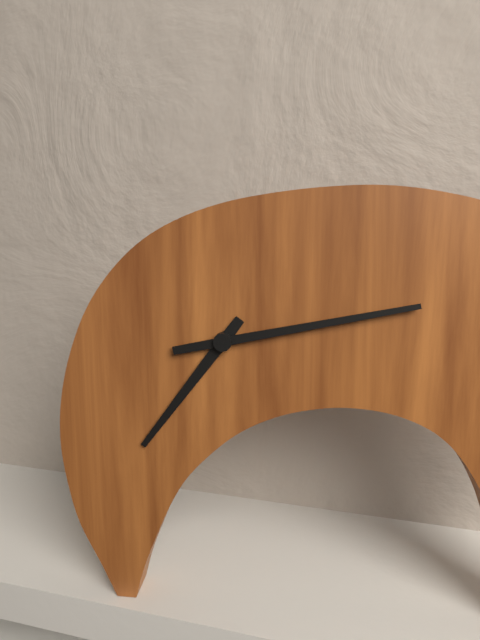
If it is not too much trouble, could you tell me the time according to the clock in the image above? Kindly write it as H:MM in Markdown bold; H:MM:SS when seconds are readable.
**7:13**
